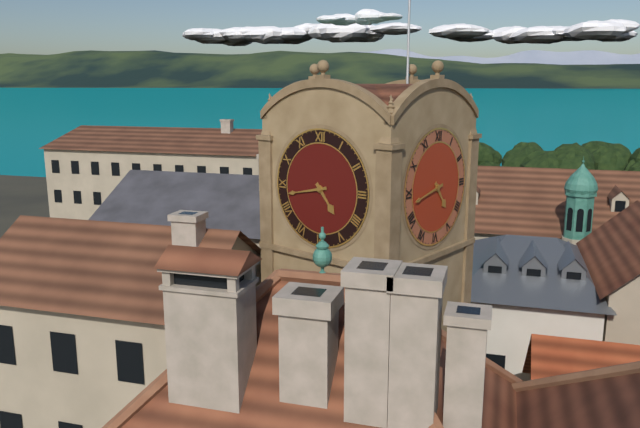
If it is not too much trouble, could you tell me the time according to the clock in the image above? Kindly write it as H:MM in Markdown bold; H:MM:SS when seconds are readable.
**4:43**
